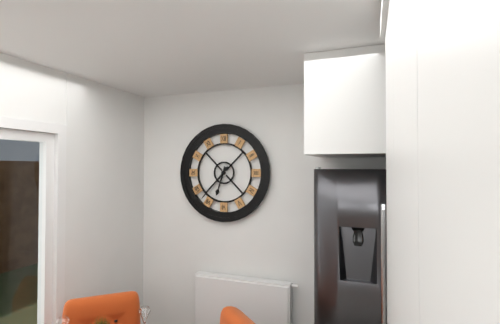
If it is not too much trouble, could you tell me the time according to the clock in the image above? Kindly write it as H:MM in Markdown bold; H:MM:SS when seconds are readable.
**6:37**
